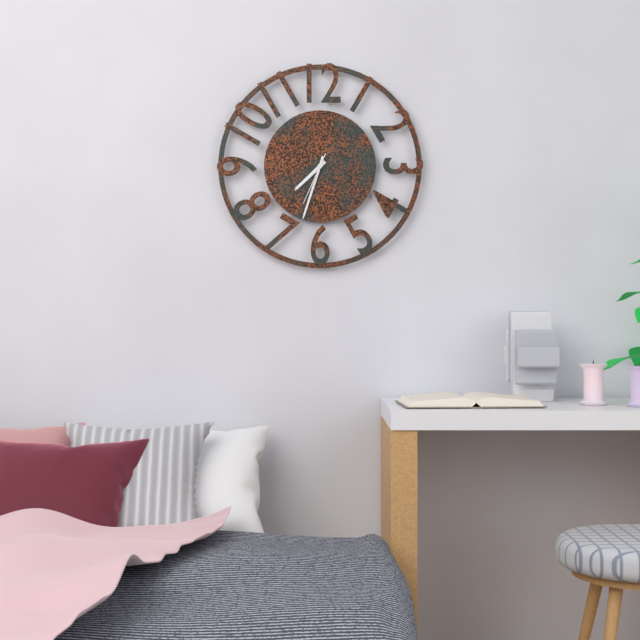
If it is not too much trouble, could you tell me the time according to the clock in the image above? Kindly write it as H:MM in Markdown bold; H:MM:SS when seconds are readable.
**7:33:34**
